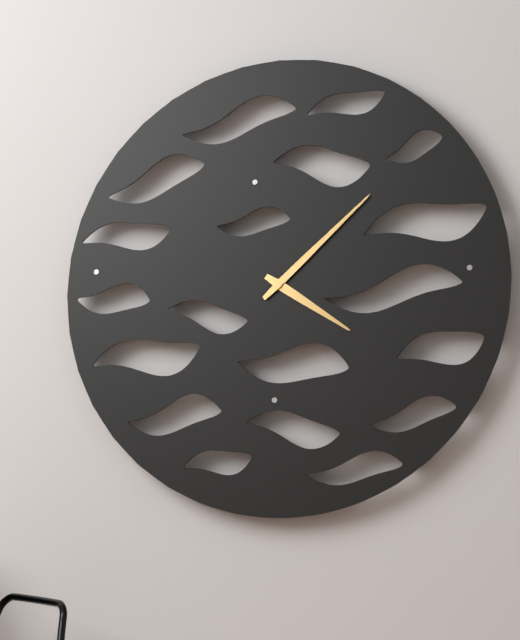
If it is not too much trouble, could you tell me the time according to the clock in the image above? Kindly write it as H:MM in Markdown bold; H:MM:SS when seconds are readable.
**4:08**
